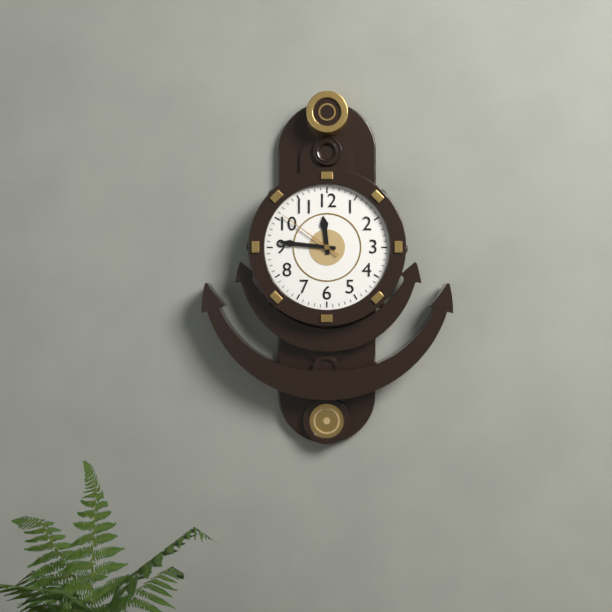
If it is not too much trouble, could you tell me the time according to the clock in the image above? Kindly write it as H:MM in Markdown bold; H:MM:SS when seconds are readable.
**11:46:51**
